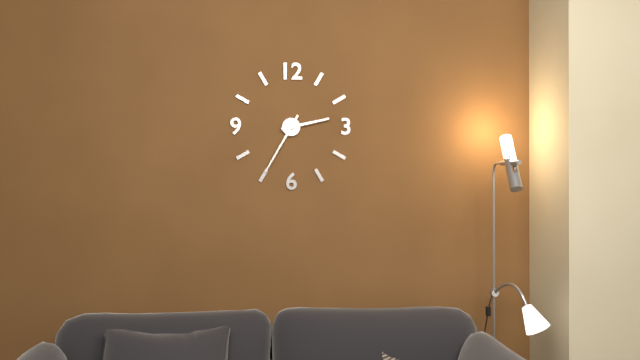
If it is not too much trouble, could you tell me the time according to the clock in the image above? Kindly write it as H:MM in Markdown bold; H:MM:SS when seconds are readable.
**2:35**
